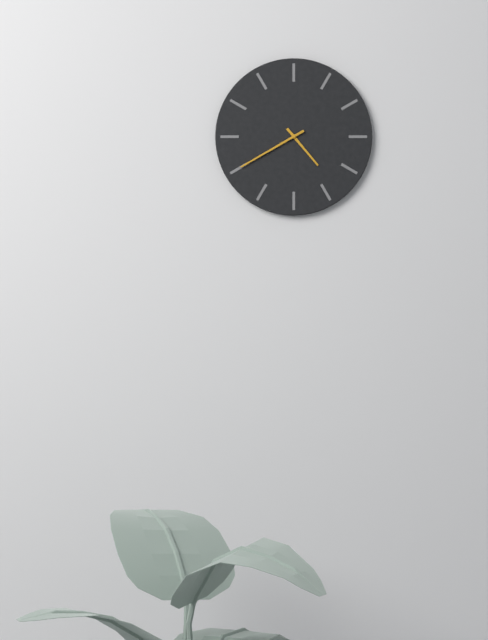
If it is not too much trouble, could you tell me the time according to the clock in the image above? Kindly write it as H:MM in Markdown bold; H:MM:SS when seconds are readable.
**4:40**
